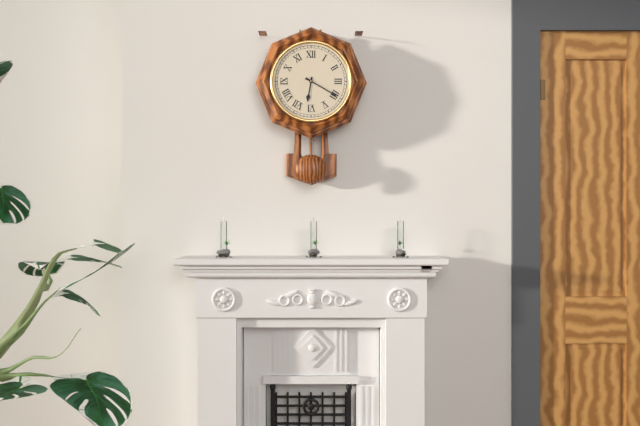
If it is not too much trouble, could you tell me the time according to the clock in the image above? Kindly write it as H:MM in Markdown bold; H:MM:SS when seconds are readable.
**6:20**
